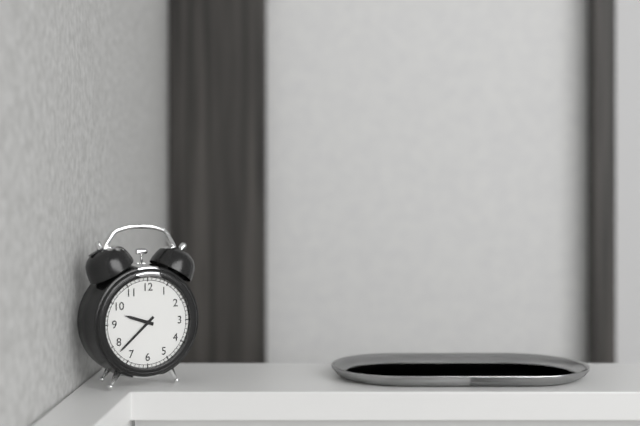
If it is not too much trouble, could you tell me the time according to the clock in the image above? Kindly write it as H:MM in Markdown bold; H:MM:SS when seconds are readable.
**9:38**
